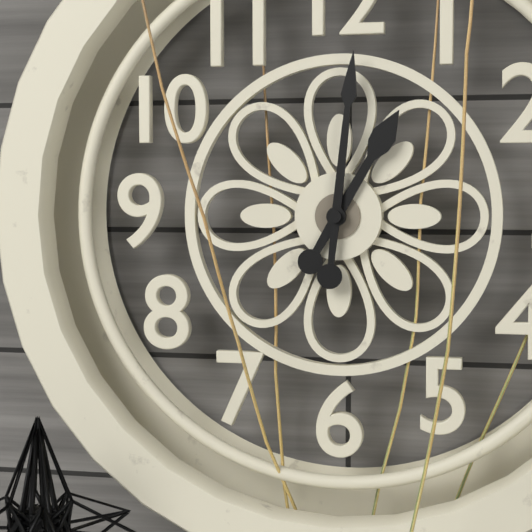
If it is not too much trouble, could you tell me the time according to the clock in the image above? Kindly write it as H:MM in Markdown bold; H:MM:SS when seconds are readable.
**1:01**
